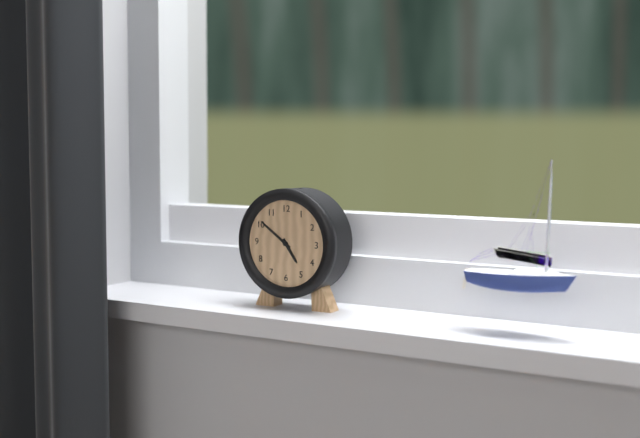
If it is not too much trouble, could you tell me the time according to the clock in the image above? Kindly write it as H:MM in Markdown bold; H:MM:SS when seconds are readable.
**4:51**
